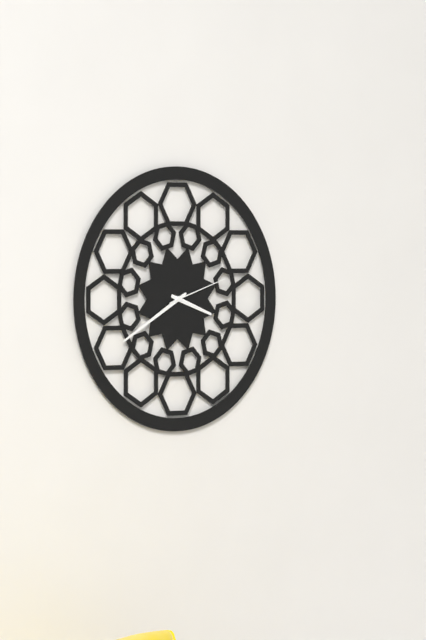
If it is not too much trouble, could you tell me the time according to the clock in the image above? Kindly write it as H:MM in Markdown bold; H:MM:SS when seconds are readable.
**3:40:12**
